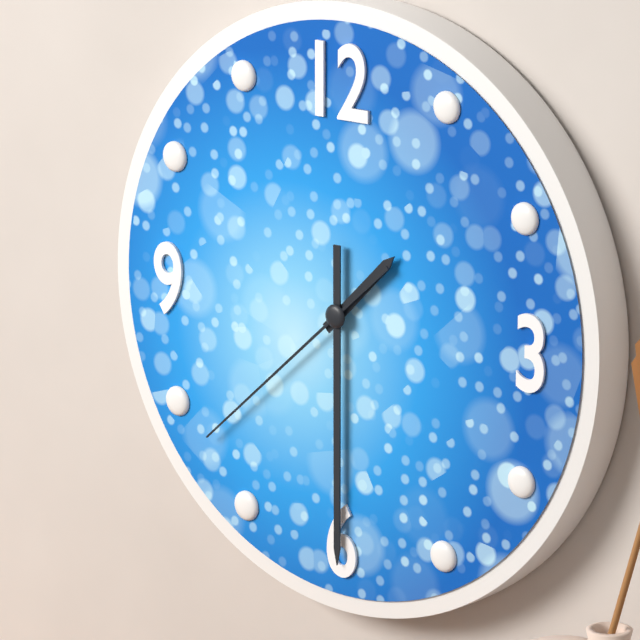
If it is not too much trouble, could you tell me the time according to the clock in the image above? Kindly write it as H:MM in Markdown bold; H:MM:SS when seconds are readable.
**1:30:38**
